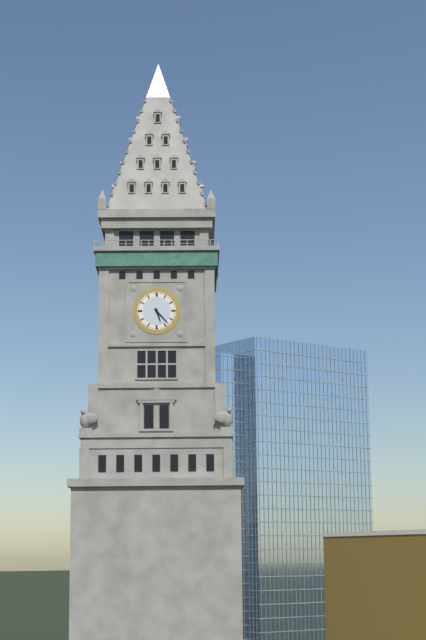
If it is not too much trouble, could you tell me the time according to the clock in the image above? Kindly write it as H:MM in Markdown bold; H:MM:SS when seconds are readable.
**5:23**
